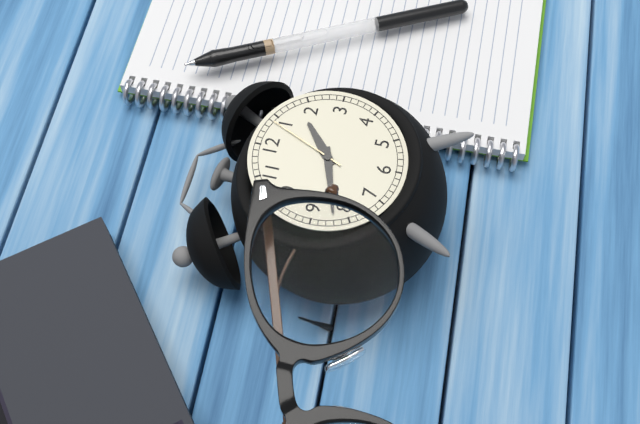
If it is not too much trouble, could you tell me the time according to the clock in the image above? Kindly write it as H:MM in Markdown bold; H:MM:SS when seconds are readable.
**1:42:04**
